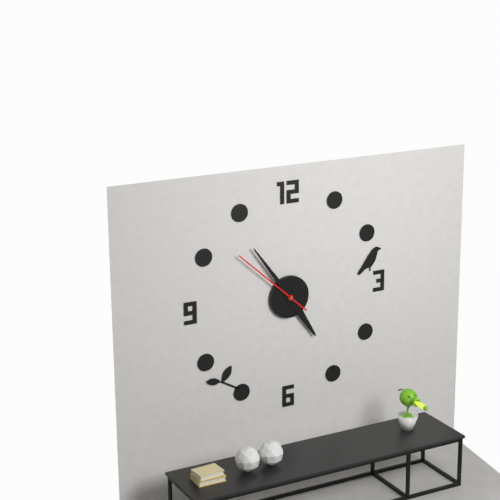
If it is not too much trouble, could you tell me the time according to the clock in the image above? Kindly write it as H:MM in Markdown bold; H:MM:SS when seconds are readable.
**4:54:52**
